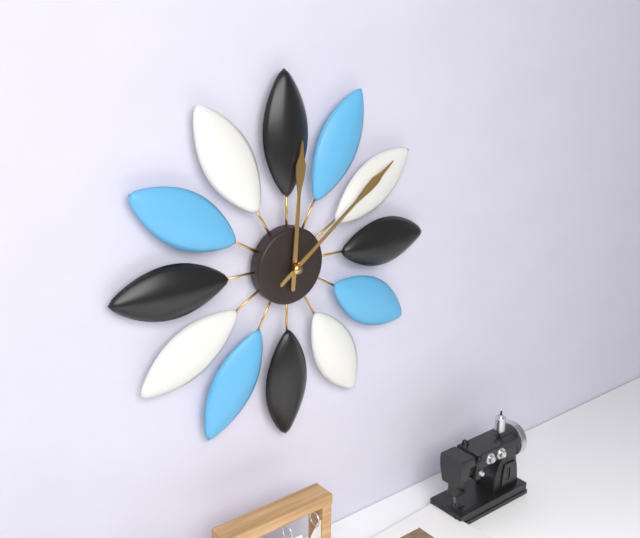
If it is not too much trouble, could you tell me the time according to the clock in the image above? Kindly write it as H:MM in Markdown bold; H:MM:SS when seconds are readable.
**12:09**
